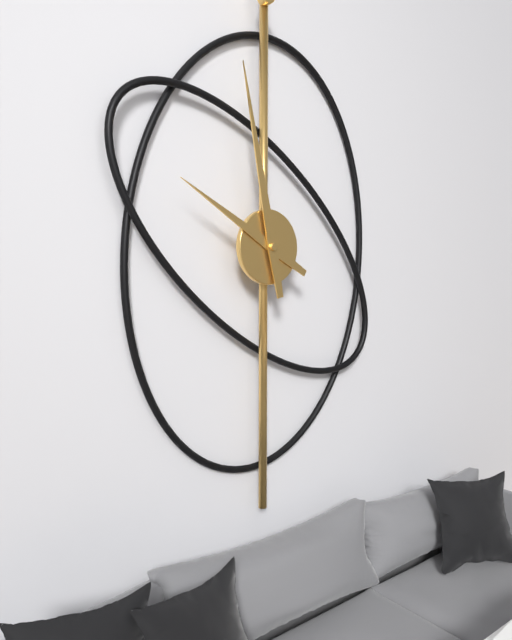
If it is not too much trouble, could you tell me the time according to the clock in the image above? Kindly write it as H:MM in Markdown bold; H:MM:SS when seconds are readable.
**9:58**
